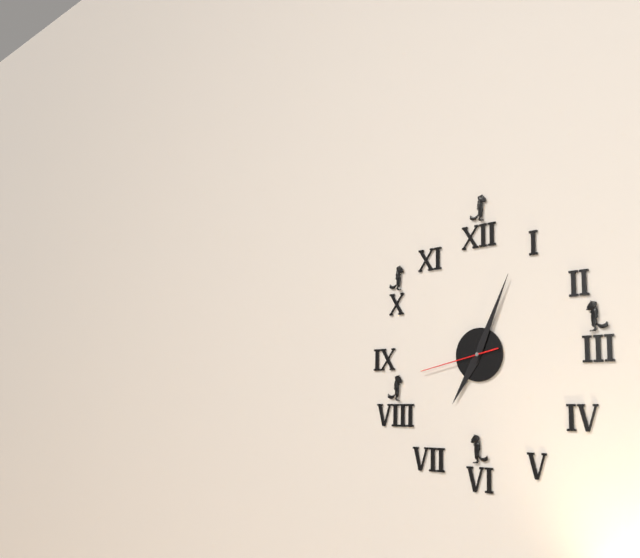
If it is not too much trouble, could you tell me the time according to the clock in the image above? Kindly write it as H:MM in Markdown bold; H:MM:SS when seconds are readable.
**7:04:43**
